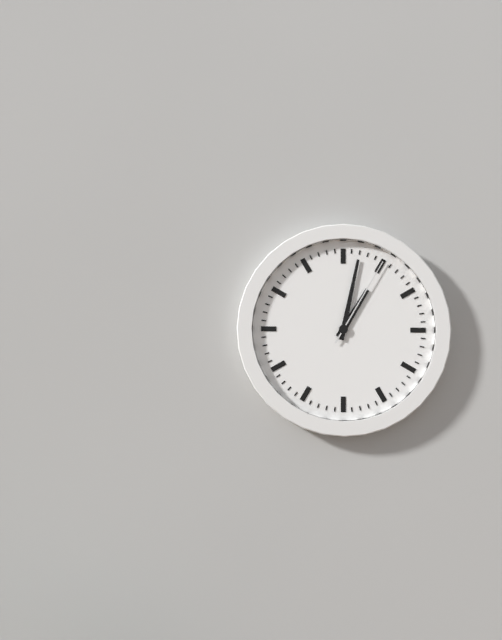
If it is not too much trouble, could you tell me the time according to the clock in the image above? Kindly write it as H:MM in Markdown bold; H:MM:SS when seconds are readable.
**1:02:05**
